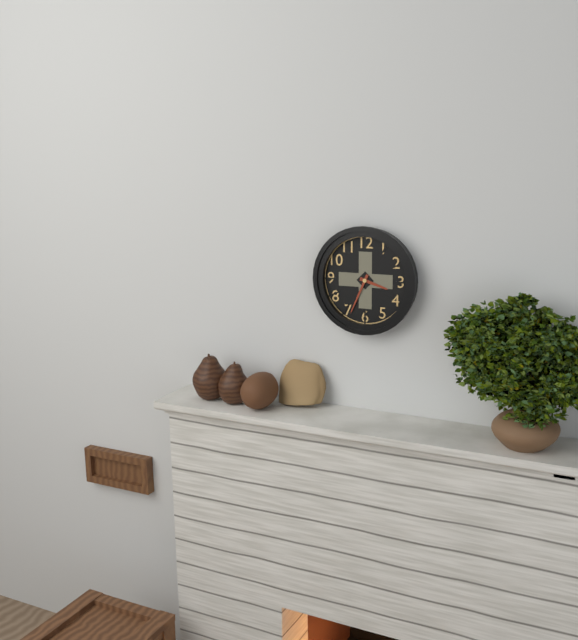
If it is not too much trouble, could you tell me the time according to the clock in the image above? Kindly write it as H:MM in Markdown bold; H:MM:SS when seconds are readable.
**3:34**
